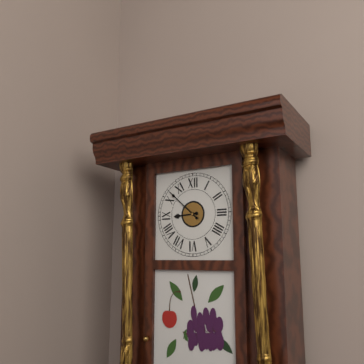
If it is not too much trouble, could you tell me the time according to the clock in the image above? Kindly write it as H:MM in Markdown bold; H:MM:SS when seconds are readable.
**8:52**
